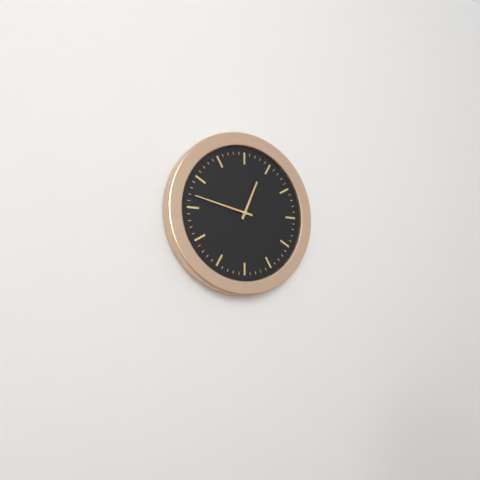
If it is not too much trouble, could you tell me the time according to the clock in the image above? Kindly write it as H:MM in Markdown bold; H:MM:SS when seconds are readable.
**12:47**
